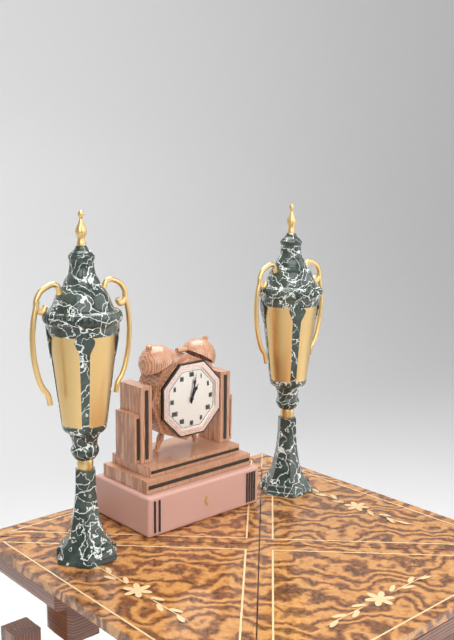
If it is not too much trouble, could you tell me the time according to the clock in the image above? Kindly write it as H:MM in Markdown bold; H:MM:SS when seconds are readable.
**1:02**
